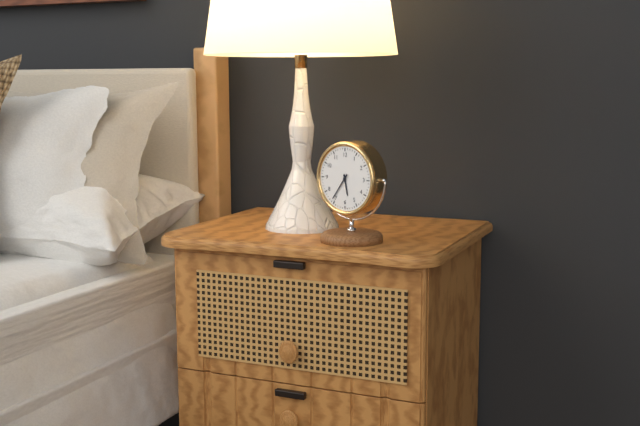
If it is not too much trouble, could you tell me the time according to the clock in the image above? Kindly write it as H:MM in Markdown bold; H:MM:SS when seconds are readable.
**5:36**
